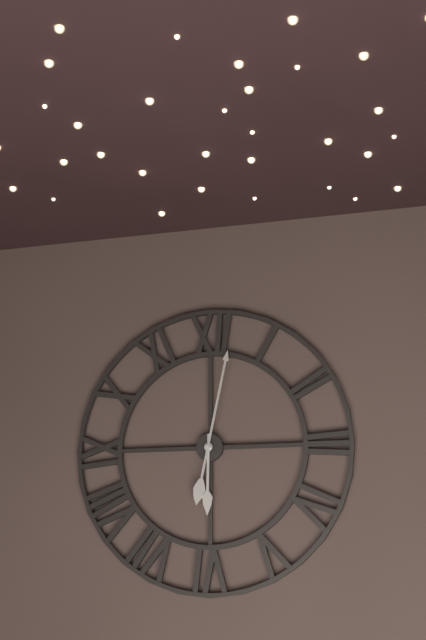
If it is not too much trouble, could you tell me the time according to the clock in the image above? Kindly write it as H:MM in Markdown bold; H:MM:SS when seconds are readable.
**6:02**
